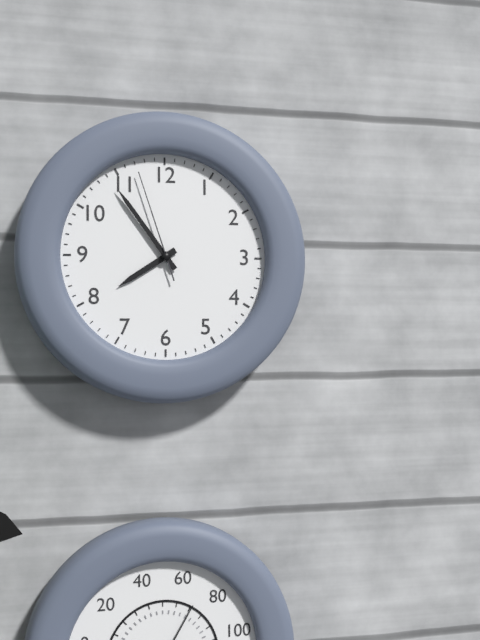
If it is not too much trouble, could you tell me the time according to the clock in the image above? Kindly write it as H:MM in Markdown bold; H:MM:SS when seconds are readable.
**7:54:57**
